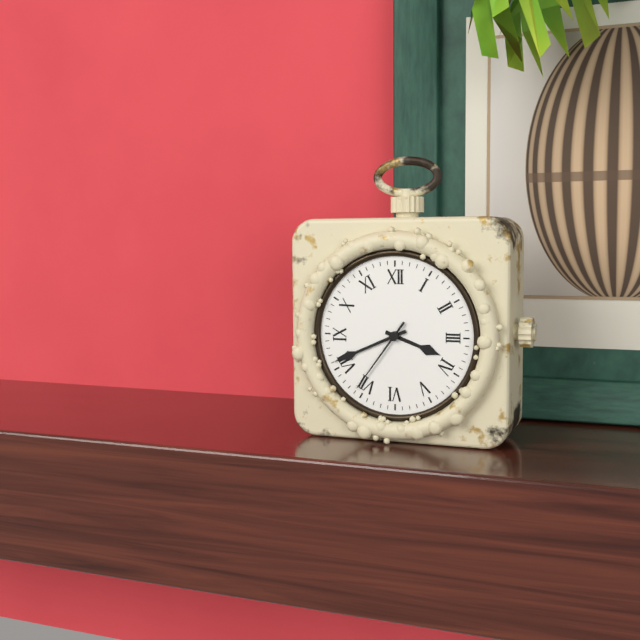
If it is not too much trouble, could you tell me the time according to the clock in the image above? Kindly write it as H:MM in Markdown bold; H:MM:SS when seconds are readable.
**3:41:36**
